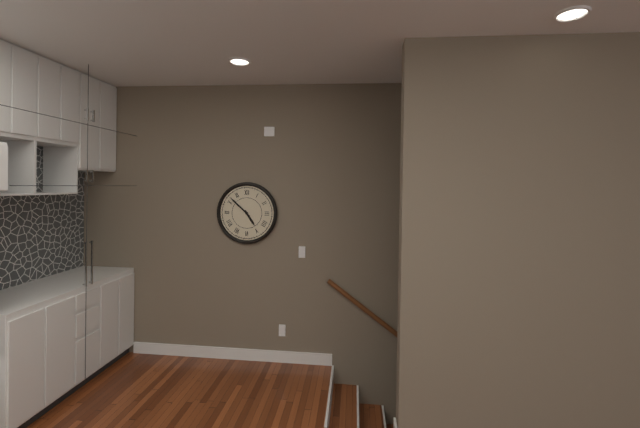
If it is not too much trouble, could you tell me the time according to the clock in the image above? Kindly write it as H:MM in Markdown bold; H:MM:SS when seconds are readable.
**4:52**
